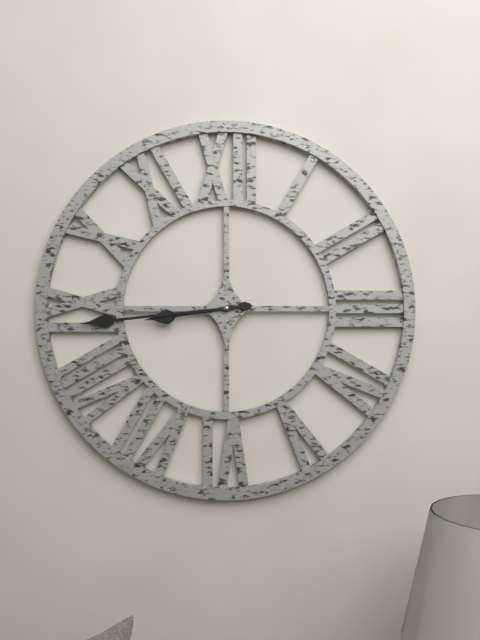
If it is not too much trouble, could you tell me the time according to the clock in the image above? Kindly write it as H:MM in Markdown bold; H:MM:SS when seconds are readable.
**8:44**
